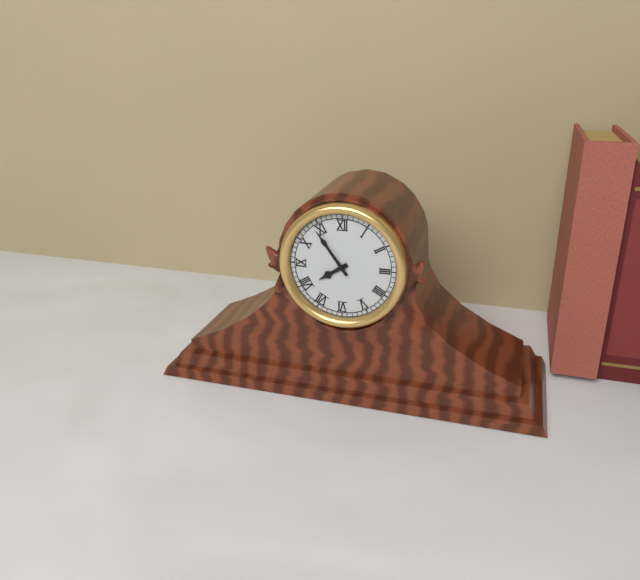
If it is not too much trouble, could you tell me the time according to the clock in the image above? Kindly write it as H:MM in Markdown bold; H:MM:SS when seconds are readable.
**7:54**
